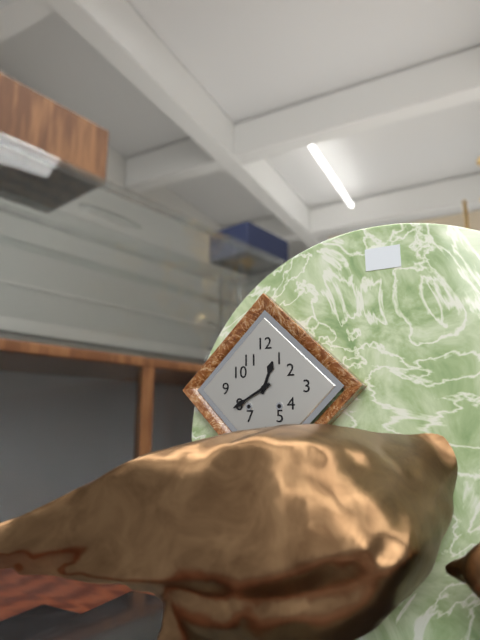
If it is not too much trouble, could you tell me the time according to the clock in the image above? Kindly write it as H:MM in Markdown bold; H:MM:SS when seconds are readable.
**12:40**
